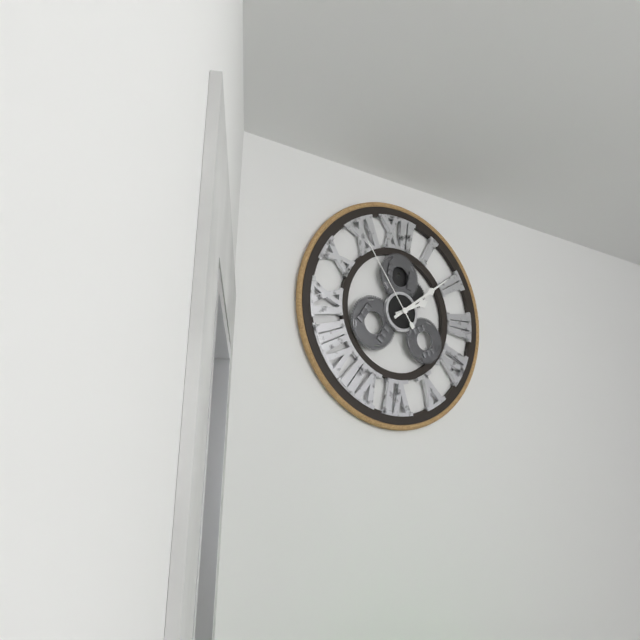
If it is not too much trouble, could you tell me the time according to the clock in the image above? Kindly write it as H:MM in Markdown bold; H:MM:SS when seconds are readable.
**2:09:54**
